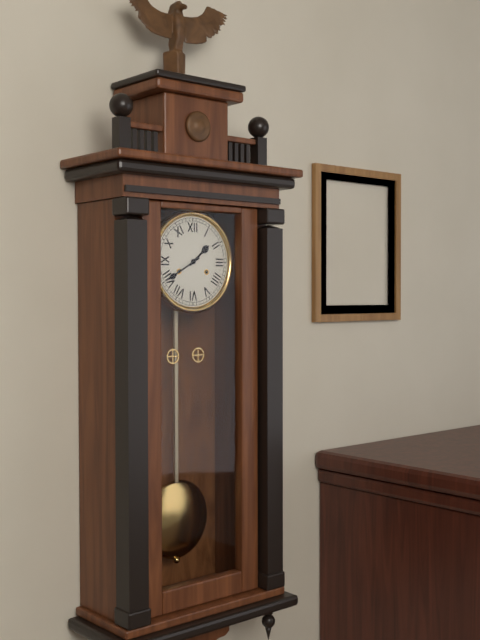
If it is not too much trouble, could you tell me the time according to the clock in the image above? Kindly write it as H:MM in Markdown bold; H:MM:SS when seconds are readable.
**1:40**
